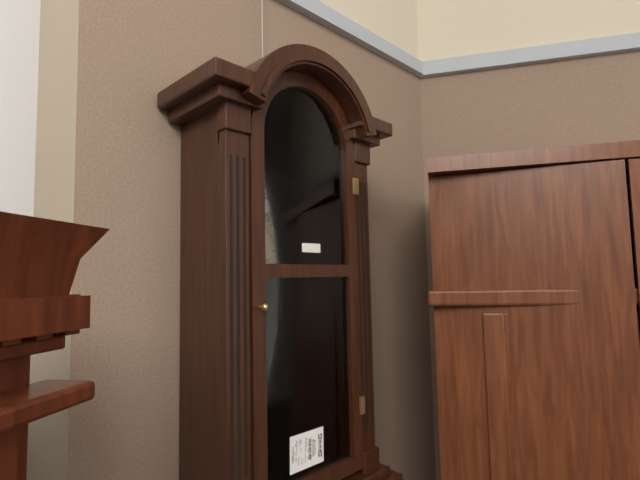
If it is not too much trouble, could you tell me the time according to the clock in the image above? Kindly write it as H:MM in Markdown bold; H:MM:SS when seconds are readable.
**2:49**
